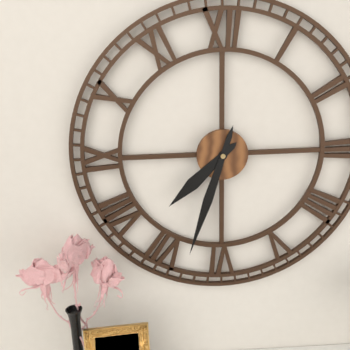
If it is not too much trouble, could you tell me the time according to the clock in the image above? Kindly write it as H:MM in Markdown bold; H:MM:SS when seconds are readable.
**7:33**
